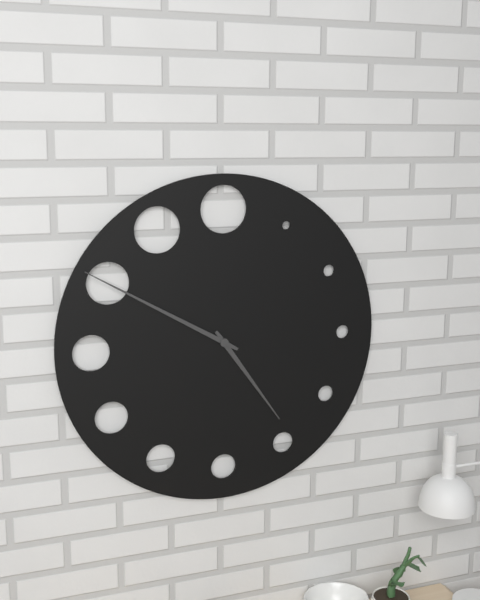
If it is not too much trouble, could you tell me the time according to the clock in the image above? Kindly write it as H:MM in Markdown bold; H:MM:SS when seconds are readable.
**4:50**
